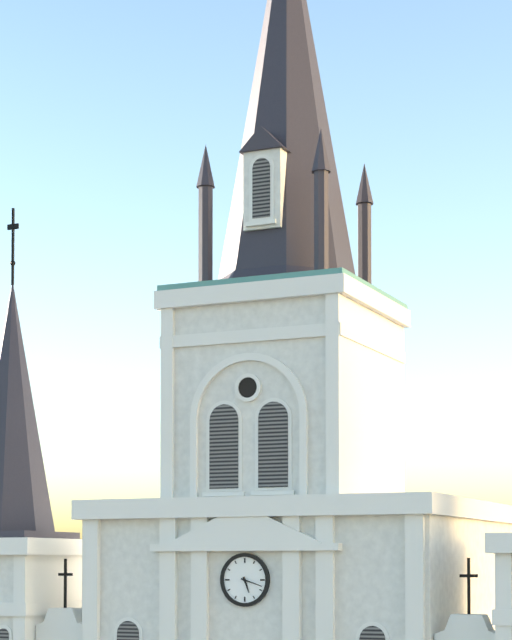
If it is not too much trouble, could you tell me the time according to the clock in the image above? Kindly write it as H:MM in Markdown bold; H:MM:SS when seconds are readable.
**5:18**
